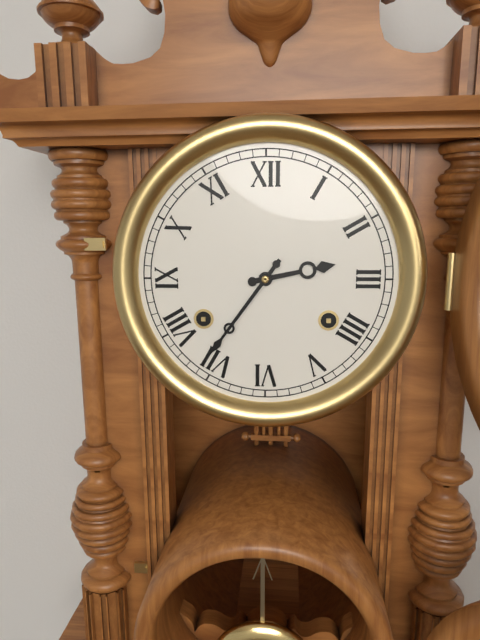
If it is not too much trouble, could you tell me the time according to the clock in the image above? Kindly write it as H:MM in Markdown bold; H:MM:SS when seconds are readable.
**2:36**
